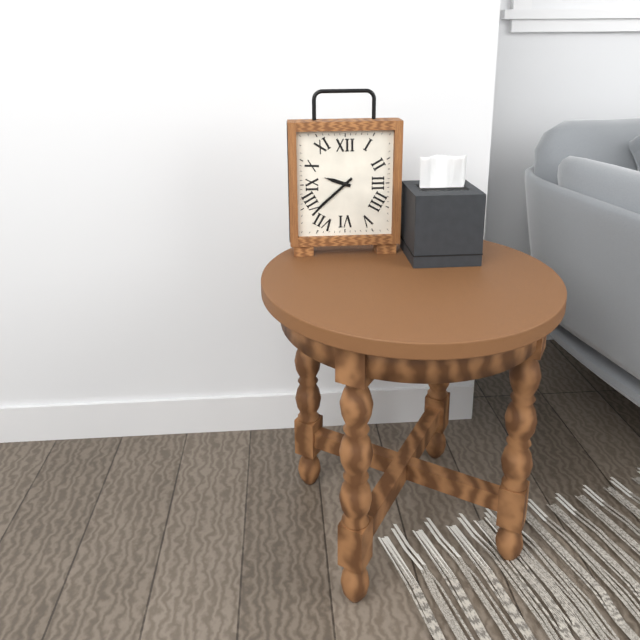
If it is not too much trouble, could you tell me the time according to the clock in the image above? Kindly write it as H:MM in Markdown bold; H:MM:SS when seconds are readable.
**9:38**
